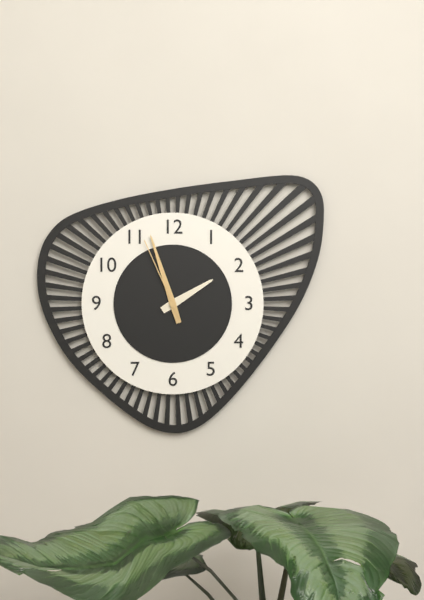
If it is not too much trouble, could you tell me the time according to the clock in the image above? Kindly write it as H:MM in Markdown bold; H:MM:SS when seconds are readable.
**1:57:56**
